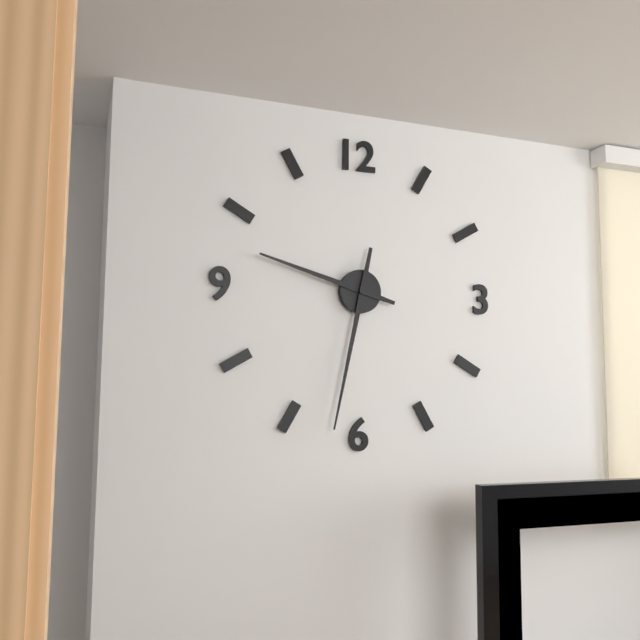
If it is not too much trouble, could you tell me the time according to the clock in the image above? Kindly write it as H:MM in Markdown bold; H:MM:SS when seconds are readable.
**9:32**
